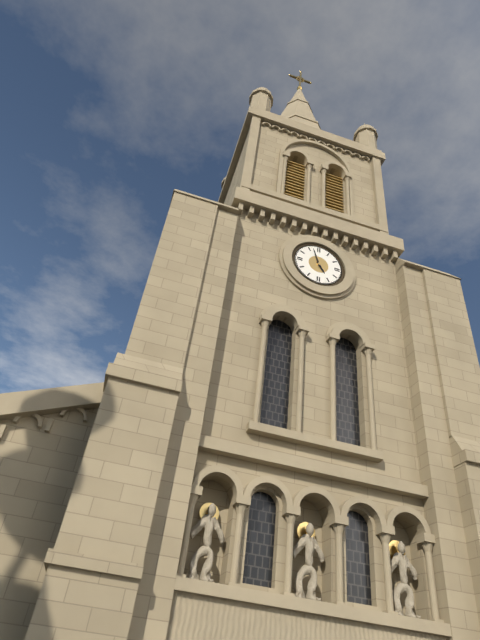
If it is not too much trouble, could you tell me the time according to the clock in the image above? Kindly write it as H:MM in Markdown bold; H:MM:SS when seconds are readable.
**4:57**
